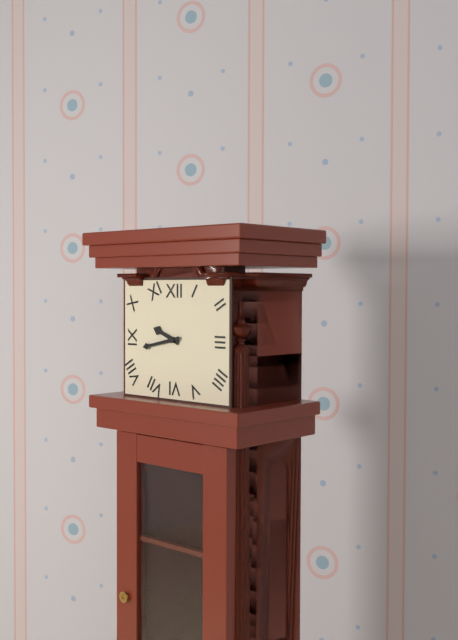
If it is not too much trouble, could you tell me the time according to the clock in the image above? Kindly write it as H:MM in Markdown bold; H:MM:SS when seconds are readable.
**9:43**
